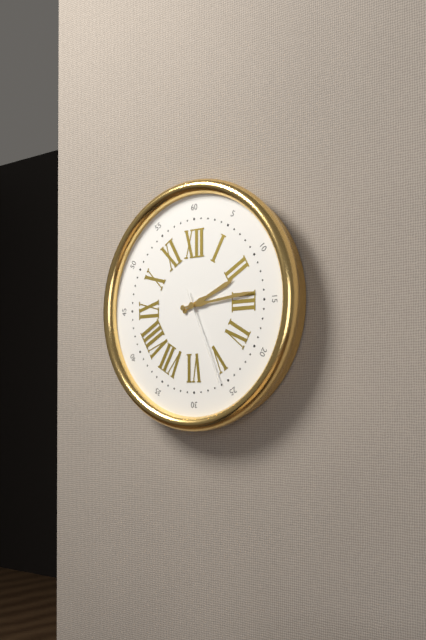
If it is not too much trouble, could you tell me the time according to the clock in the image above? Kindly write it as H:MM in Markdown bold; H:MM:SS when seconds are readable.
**2:14:26**
